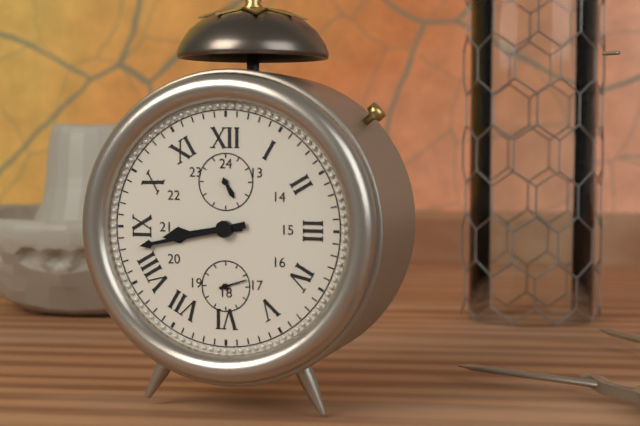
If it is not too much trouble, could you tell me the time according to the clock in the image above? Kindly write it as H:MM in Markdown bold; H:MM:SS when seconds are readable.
**8:43**
